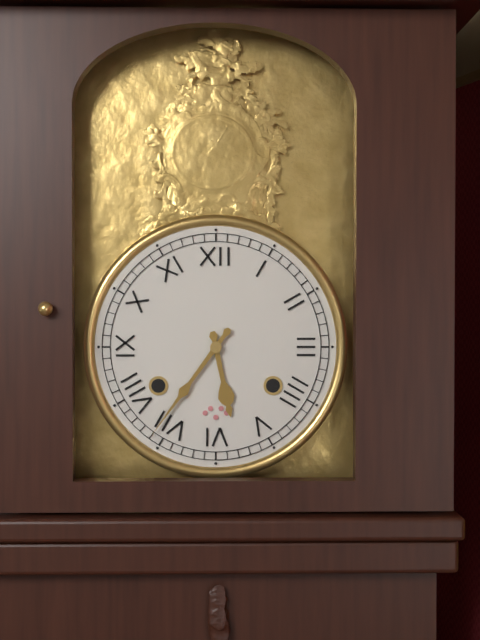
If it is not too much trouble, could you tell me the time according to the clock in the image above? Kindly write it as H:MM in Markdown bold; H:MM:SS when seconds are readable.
**5:36**
